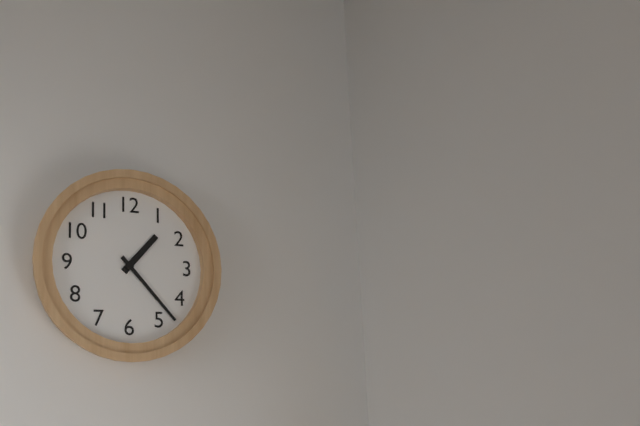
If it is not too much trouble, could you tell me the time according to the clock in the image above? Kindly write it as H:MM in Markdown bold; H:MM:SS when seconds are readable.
**1:23**
